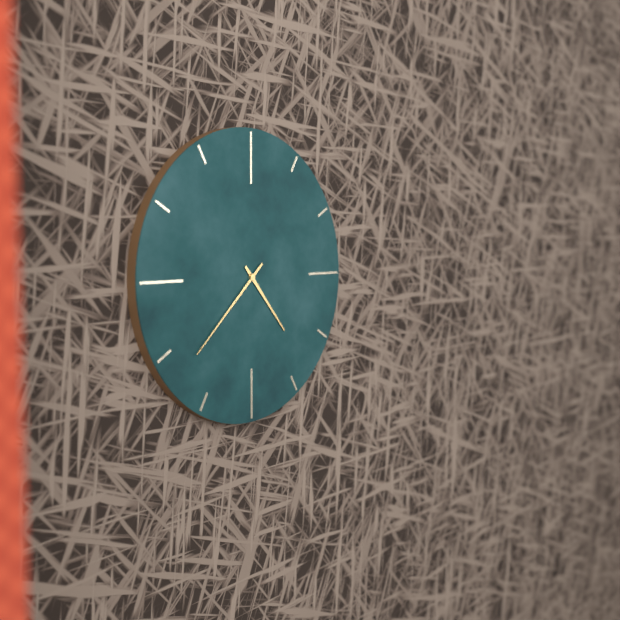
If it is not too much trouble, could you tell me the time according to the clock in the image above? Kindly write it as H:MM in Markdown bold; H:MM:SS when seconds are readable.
**4:38**
